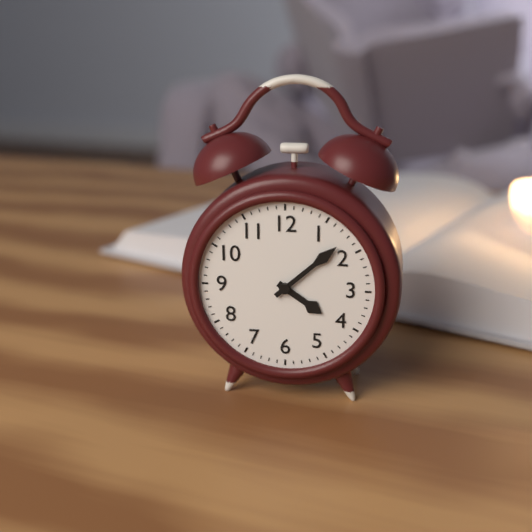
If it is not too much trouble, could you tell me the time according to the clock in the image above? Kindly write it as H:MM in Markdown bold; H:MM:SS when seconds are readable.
**4:08**
